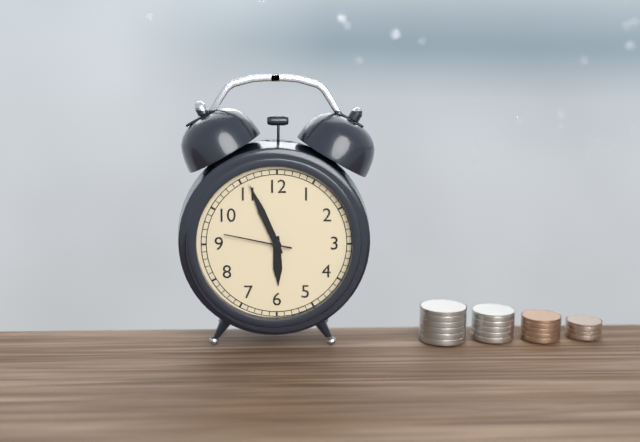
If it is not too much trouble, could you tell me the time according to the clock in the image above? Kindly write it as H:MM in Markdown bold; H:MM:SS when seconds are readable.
**5:56:47**
